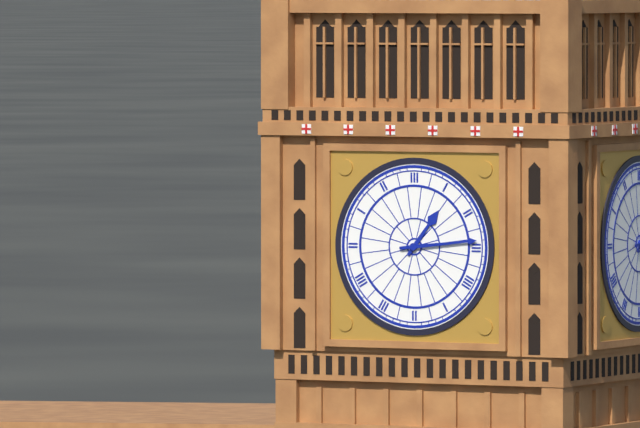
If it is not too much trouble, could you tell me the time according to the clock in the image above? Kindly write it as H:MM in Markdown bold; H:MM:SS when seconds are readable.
**1:14**
